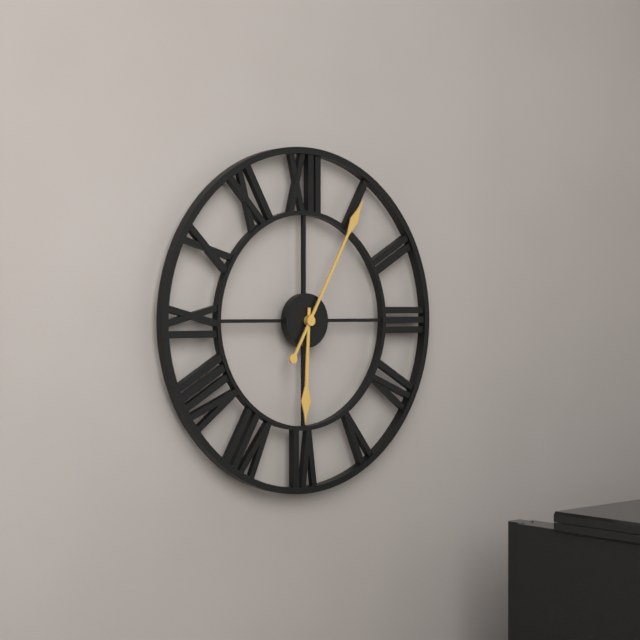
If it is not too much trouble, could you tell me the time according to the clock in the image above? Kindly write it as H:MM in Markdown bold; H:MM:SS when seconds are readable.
**6:05**
